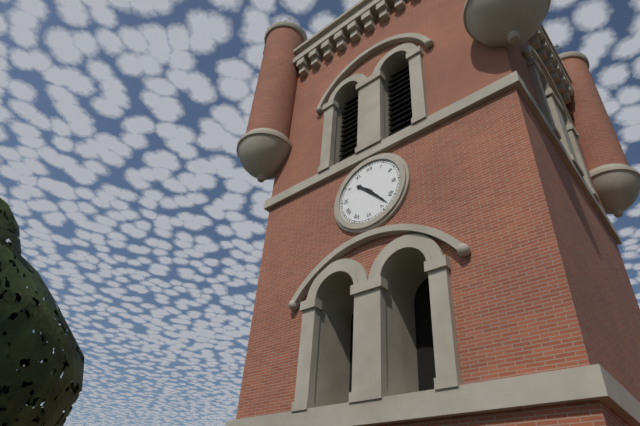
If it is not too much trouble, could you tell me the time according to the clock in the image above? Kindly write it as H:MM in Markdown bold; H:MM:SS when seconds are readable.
**10:23**
